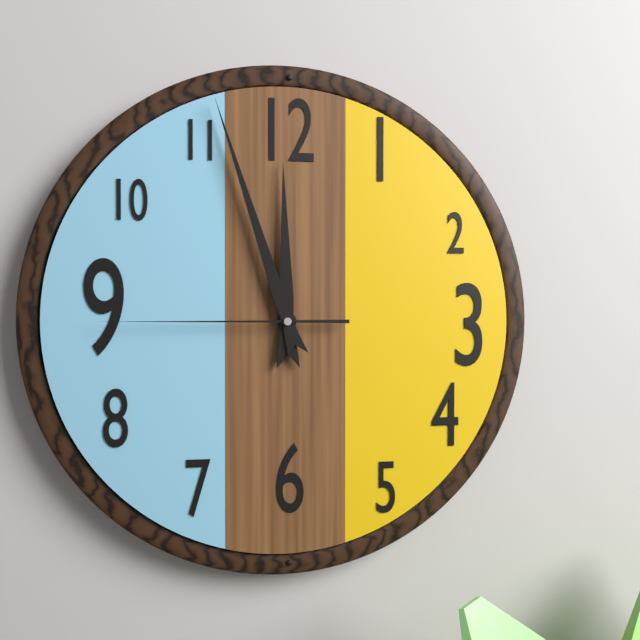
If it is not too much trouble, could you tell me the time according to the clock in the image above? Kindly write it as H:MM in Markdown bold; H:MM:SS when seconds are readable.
**11:57:45**
